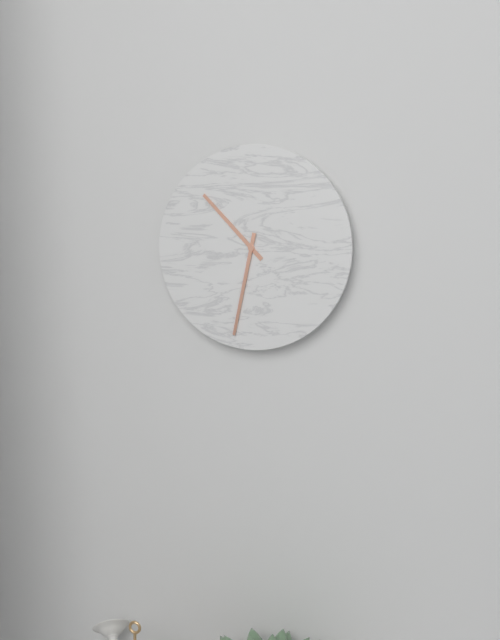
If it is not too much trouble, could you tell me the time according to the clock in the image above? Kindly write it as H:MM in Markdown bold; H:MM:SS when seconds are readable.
**10:32**
